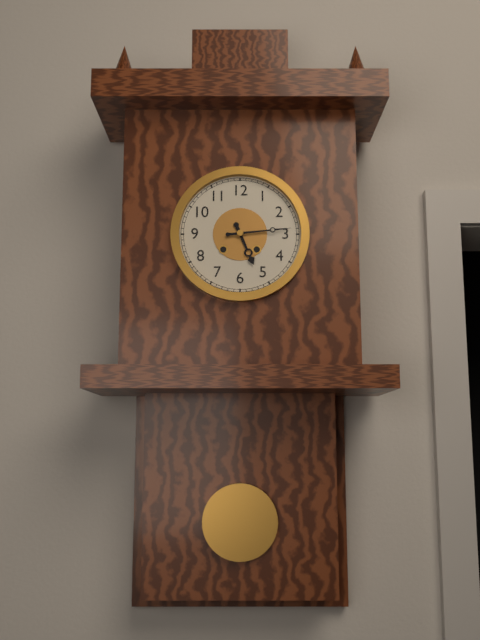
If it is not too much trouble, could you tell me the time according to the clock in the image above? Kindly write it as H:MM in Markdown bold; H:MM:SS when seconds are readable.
**5:14**
